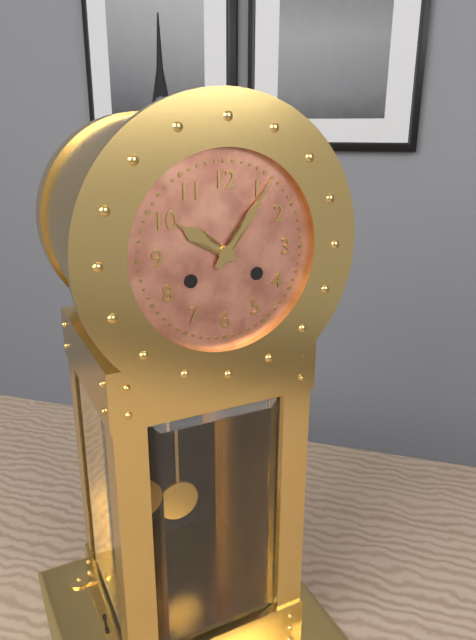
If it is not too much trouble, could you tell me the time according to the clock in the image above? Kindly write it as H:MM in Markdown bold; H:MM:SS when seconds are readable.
**10:06**
